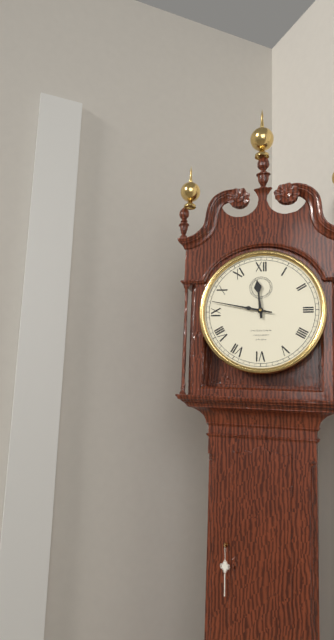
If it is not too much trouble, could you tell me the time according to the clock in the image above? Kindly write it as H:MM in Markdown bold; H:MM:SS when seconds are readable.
**11:47**
